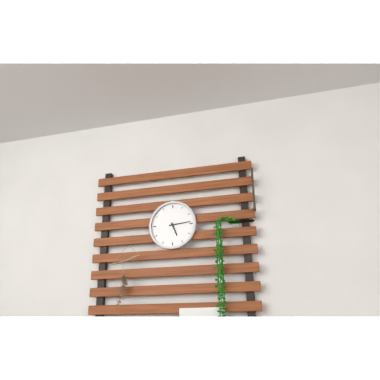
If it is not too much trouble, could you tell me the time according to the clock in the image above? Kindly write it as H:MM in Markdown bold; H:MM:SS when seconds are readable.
**5:14**
